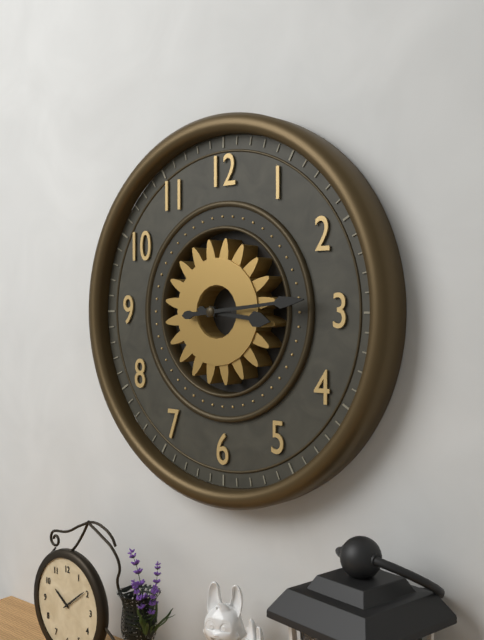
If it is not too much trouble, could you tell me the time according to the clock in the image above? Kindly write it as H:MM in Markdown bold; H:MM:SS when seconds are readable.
**3:14**
